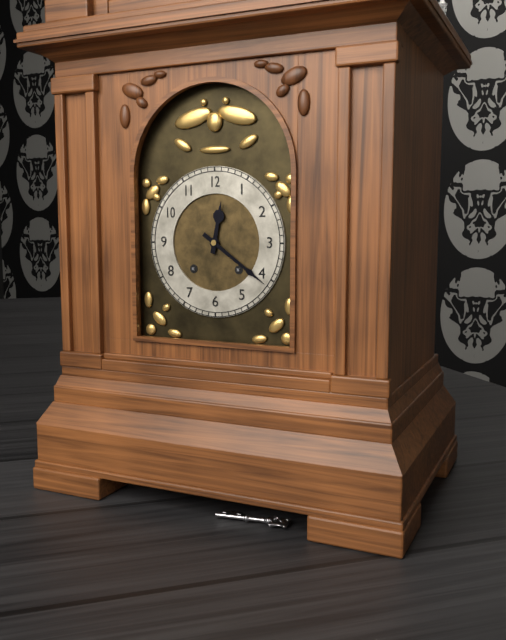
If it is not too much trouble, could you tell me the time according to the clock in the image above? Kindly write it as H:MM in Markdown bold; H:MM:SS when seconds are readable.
**12:21**
